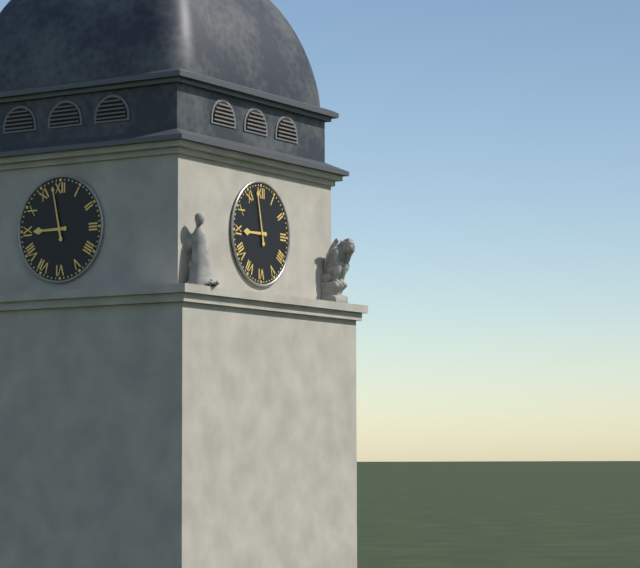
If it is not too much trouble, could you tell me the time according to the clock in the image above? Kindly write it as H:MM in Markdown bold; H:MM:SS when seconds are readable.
**8:58**
